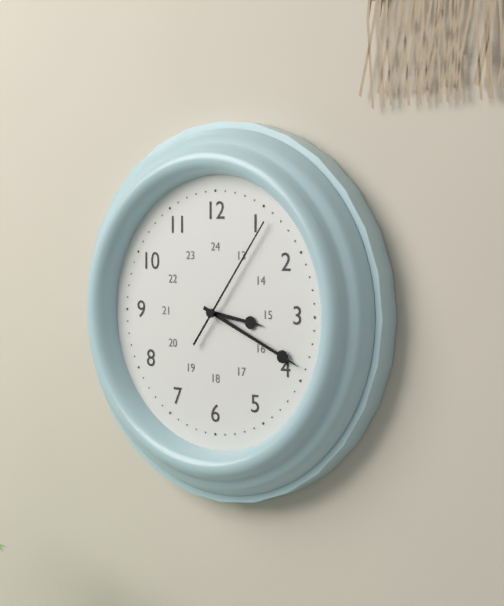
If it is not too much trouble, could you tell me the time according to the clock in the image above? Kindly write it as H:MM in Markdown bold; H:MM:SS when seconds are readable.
**3:19:06**
